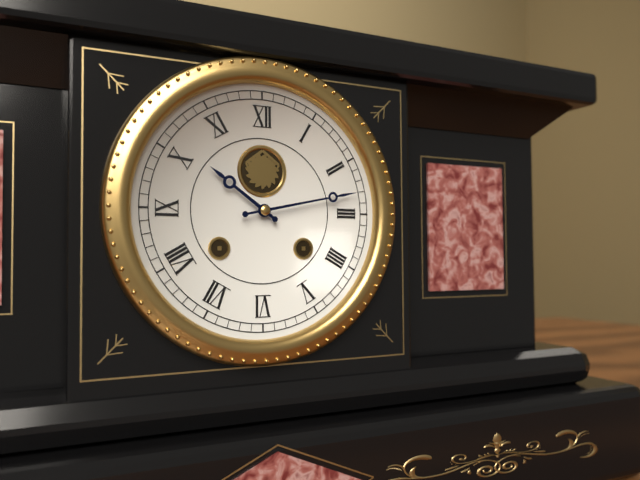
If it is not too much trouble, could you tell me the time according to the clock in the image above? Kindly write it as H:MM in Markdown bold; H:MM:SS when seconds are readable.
**10:13**
